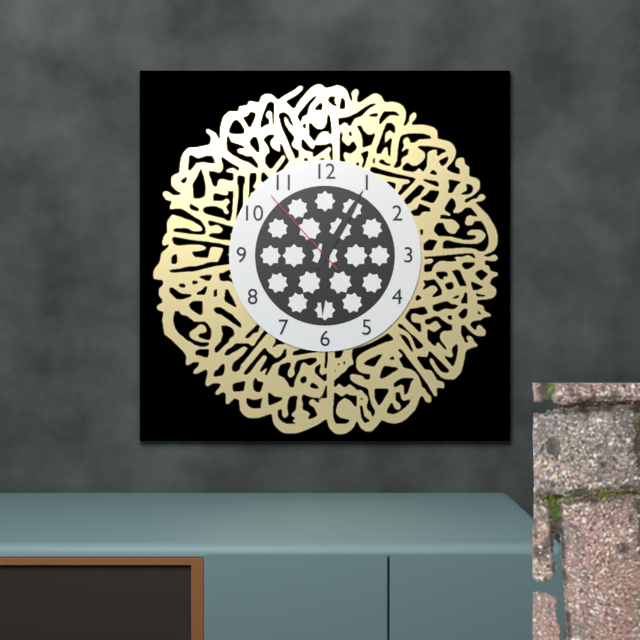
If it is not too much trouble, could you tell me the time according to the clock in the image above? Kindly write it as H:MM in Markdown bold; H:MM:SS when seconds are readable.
**6:05:53**
